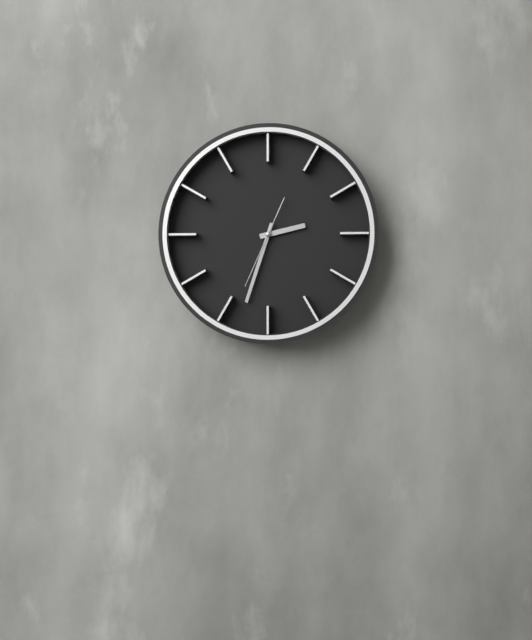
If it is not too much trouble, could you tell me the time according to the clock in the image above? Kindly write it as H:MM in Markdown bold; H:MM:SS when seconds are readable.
**2:33:34**
